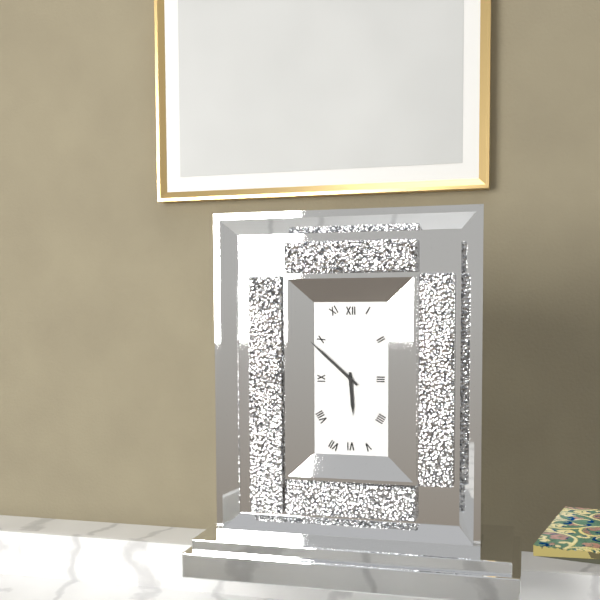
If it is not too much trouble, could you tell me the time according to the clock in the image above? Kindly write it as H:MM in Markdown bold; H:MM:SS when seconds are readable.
**5:52**
